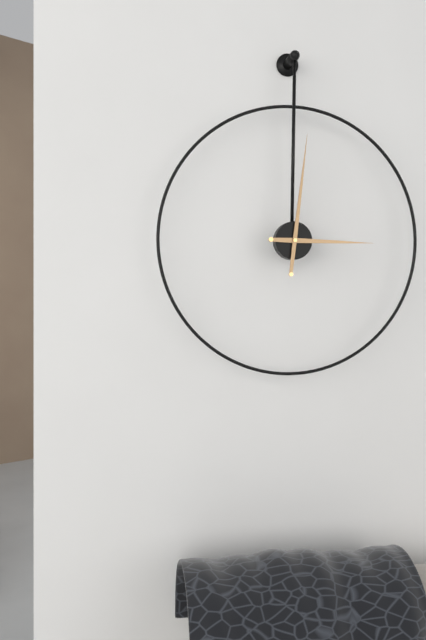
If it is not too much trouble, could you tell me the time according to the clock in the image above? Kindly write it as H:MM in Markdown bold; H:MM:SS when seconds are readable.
**3:01**
